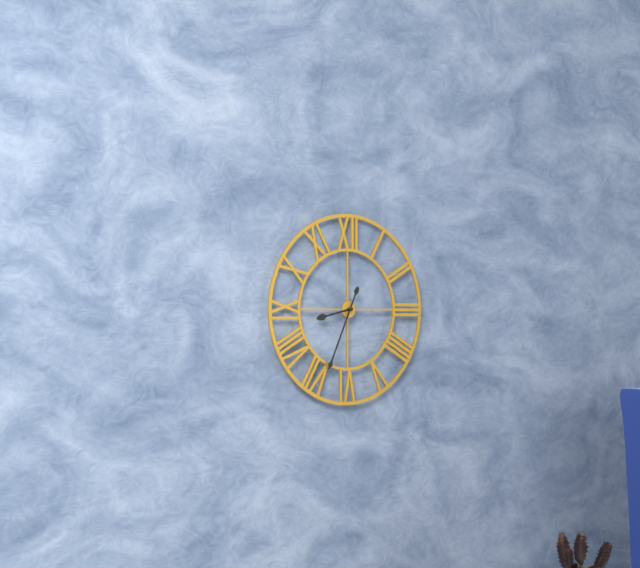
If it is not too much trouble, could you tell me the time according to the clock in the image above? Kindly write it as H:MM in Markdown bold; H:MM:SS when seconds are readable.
**8:34**
